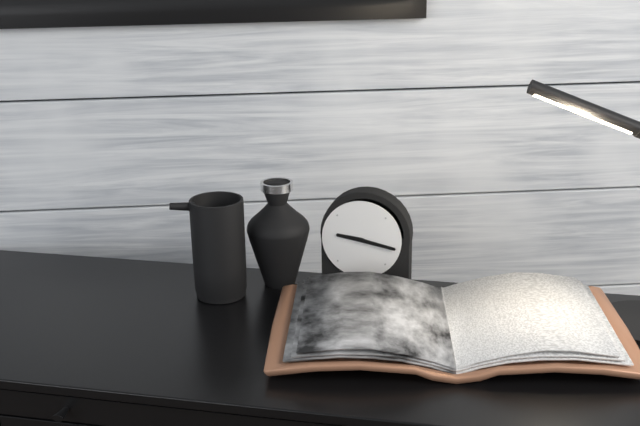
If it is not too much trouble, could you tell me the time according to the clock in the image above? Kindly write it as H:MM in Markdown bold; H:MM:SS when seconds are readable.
**9:17**
